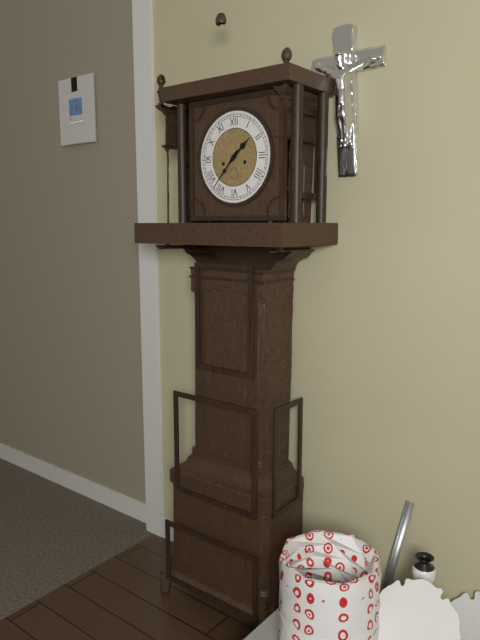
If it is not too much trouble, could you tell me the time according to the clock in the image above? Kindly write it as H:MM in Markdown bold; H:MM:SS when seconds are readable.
**1:37**
